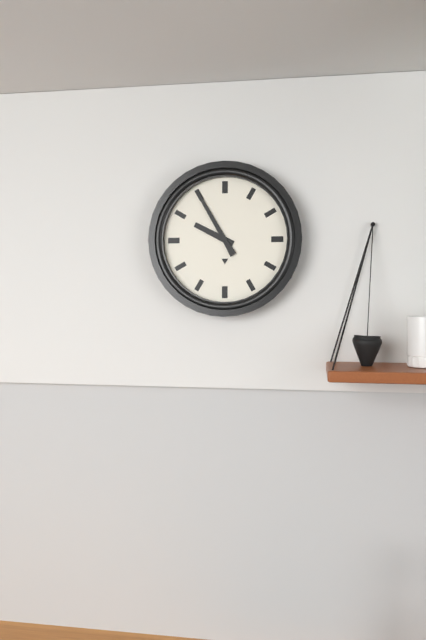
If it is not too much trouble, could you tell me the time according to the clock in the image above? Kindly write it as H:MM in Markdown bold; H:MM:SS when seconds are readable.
**9:55**
